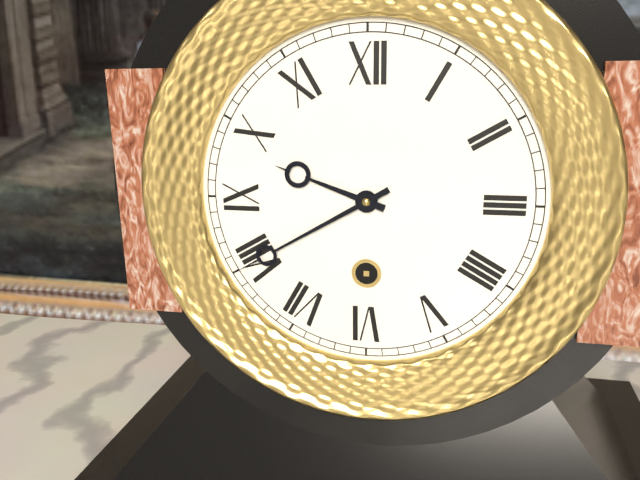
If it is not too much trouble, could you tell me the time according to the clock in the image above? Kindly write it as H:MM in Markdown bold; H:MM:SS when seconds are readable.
**9:40**
